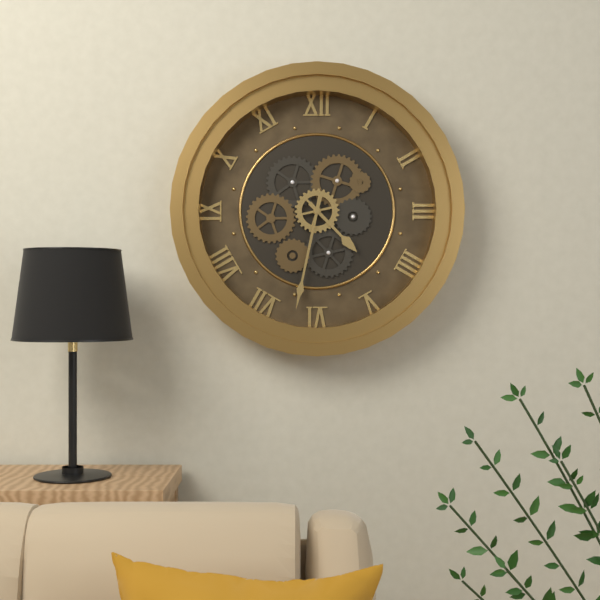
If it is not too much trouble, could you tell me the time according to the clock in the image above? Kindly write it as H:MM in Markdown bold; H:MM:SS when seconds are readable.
**4:32**
